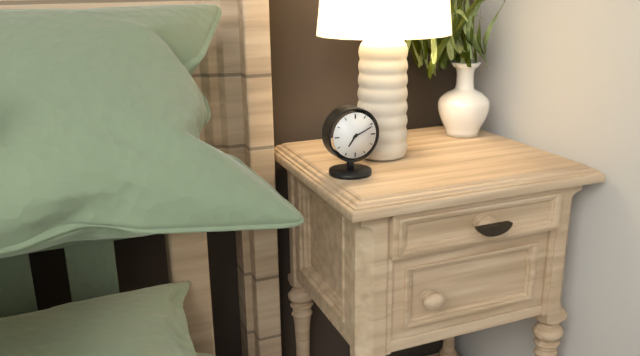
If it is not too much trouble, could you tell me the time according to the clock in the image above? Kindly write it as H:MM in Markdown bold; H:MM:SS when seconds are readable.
**7:11**
